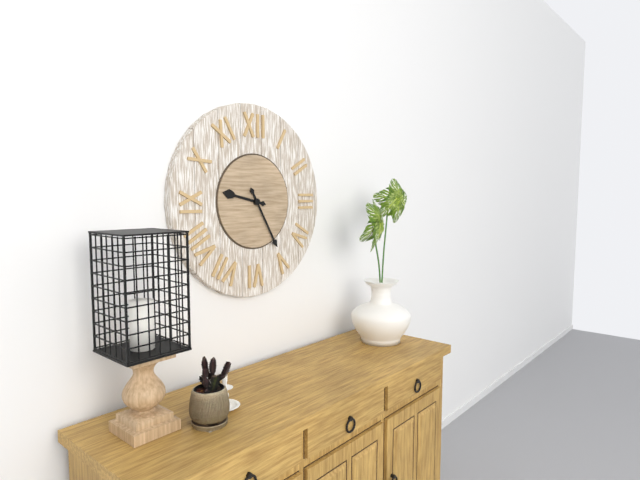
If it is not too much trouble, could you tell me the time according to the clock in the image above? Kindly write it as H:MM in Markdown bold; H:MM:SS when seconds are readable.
**9:25**
